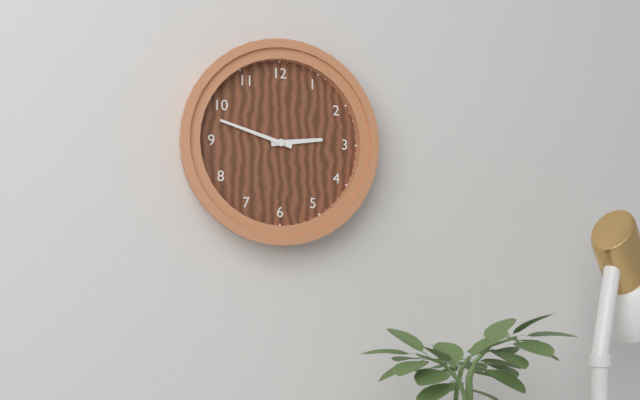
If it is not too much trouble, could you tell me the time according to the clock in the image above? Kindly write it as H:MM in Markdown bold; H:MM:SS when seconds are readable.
**2:48**
